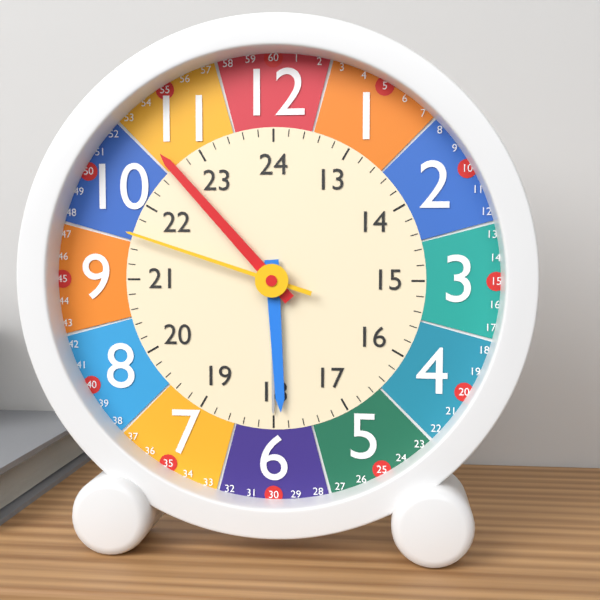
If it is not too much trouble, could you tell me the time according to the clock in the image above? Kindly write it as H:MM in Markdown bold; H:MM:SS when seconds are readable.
**5:53:48**
